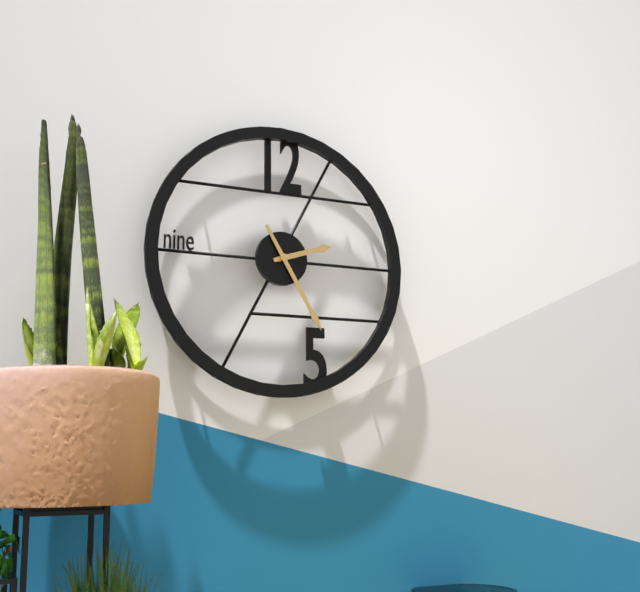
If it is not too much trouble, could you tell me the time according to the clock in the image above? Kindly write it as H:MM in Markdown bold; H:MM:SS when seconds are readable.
**2:25**
